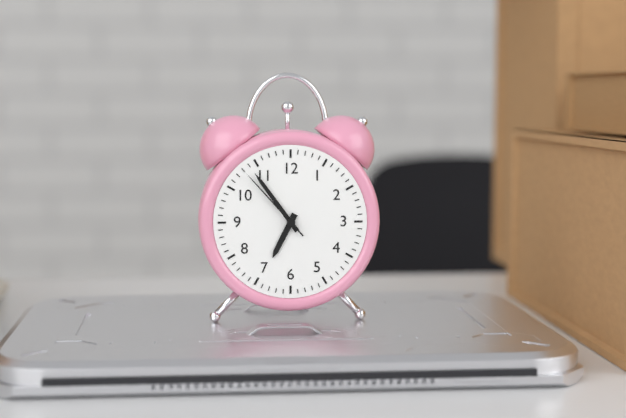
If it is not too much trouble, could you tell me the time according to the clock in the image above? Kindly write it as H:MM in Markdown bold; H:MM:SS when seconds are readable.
**6:54:53**
